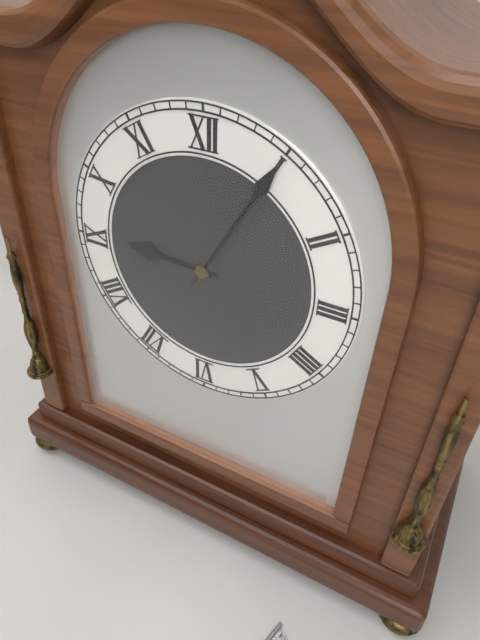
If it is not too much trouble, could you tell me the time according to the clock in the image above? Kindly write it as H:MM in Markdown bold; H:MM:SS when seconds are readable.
**9:05**
